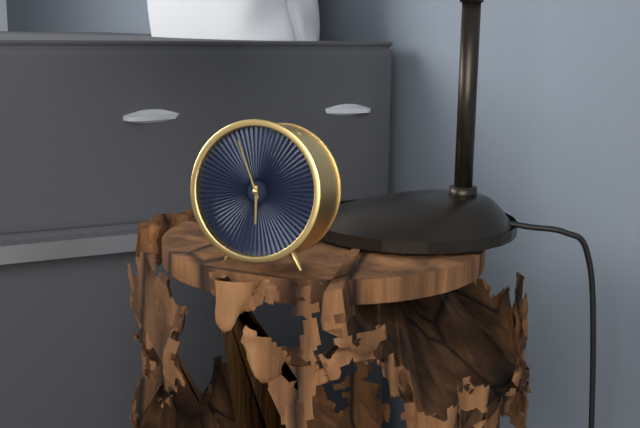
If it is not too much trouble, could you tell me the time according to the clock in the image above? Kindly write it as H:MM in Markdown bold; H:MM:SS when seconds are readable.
**5:56**
